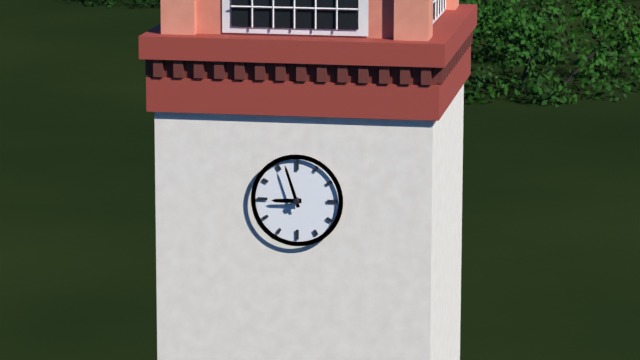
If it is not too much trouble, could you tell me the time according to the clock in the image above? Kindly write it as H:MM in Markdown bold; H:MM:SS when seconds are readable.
**8:57**
